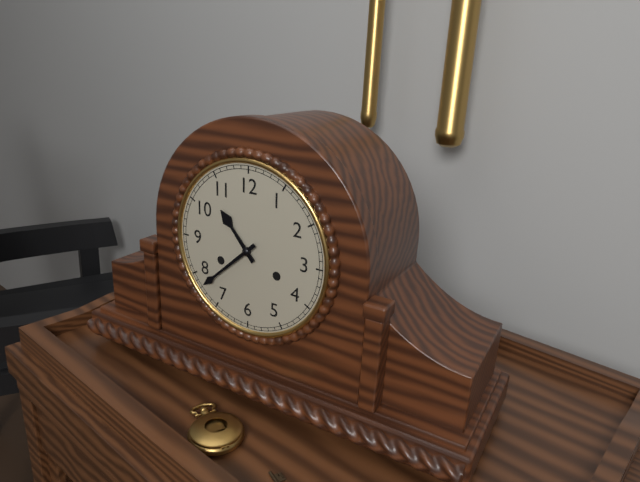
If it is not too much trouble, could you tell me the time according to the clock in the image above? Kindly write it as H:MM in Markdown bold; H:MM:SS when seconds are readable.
**10:38**
